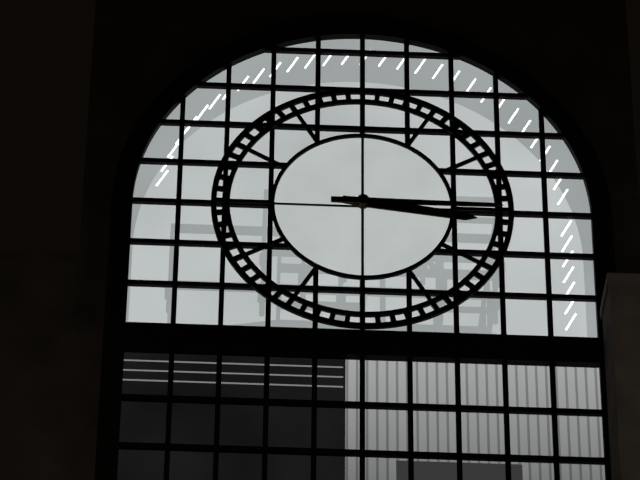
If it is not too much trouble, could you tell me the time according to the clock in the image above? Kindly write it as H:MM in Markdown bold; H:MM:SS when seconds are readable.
**3:15**
